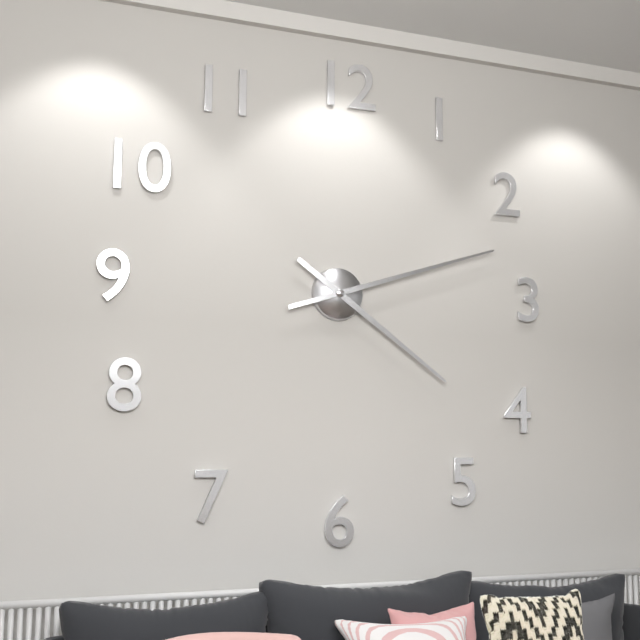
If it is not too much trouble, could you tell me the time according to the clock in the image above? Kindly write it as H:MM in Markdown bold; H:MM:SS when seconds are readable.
**4:12**
